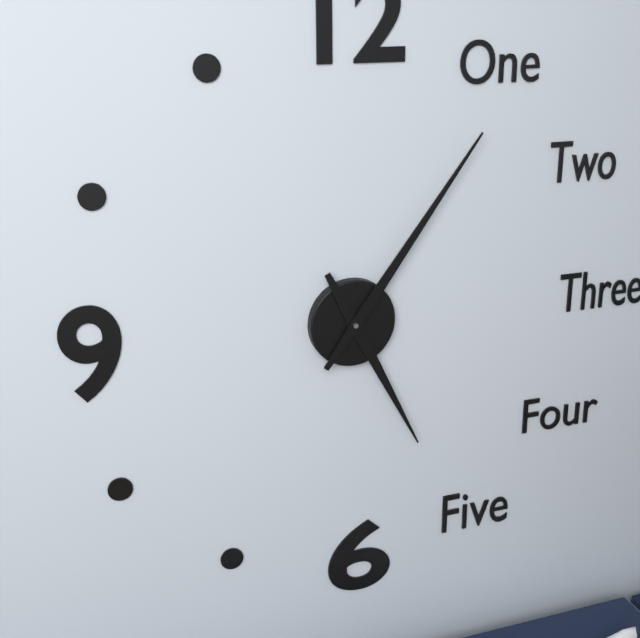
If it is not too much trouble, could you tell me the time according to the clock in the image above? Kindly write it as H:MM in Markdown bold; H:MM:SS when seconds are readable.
**5:06**
